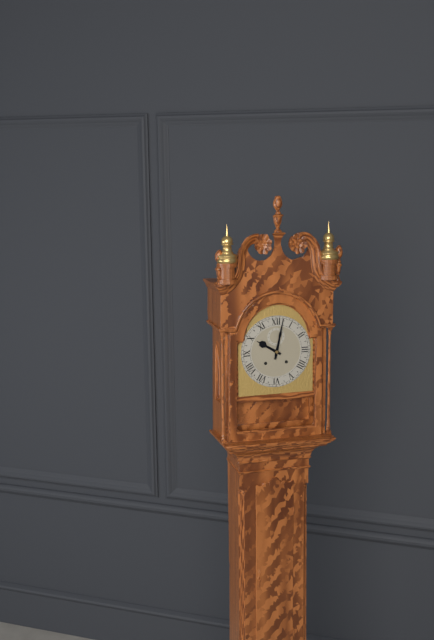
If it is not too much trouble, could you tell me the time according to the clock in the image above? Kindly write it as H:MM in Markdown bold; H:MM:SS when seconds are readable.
**10:02**
